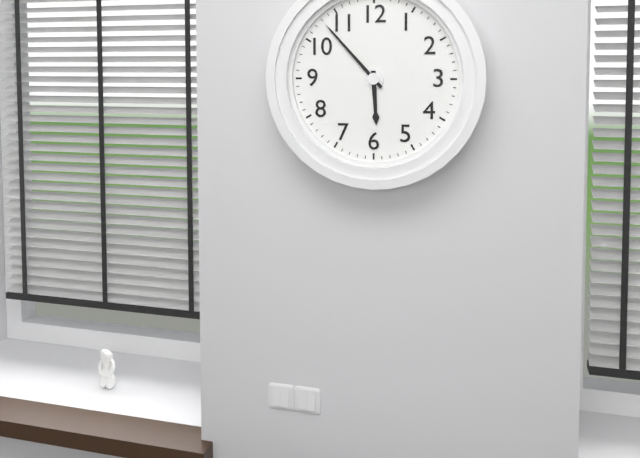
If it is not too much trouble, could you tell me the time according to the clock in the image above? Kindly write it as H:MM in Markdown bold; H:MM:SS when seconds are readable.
**5:53**
